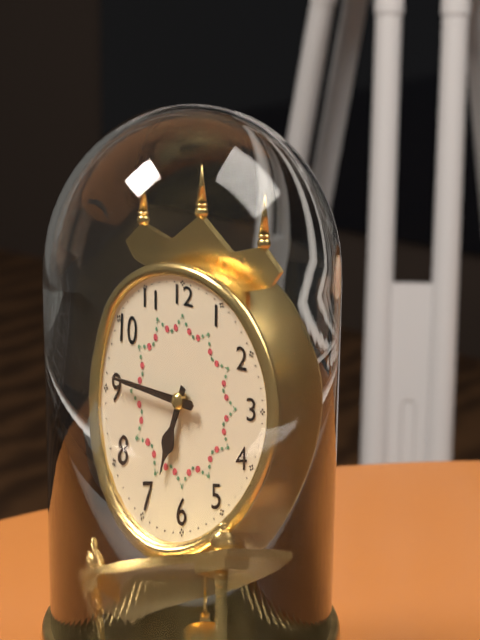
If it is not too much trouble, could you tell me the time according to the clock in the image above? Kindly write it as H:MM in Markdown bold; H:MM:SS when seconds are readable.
**6:46**
